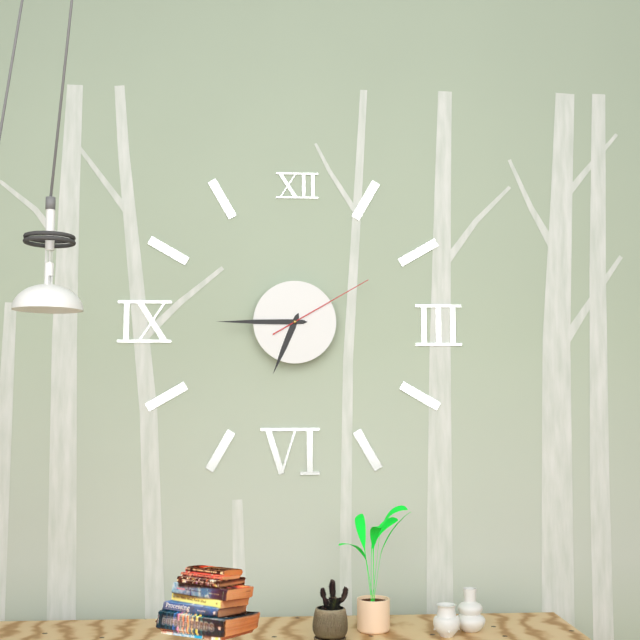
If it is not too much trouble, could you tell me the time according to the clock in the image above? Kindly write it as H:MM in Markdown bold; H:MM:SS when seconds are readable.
**6:45:10**
